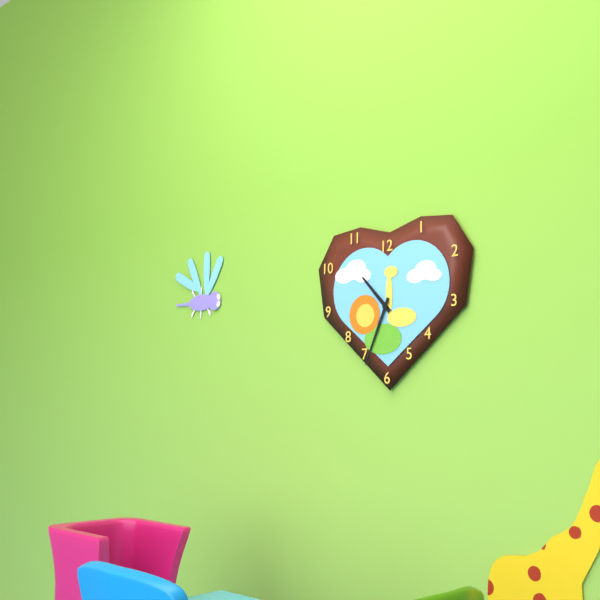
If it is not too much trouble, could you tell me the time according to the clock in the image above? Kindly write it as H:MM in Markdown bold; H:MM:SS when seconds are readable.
**10:34**
